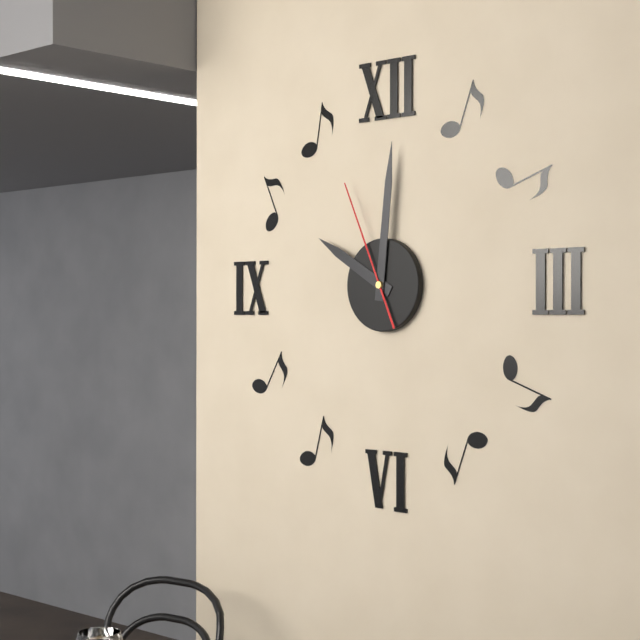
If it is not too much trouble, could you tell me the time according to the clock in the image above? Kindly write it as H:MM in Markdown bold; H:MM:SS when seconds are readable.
**10:01:56**
